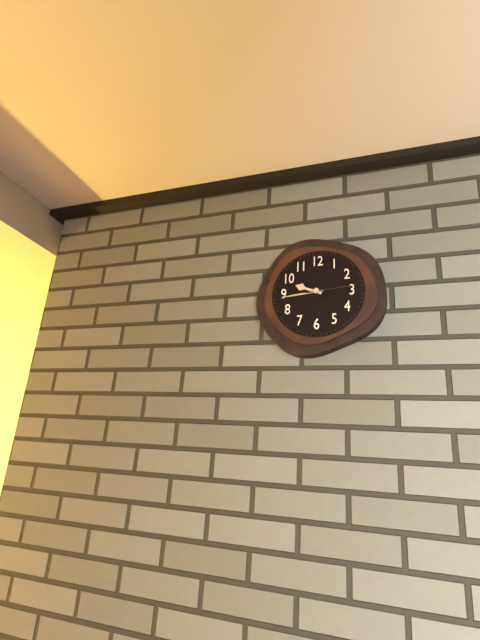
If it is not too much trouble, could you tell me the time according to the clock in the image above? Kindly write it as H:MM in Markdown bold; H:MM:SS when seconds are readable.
**9:44**
